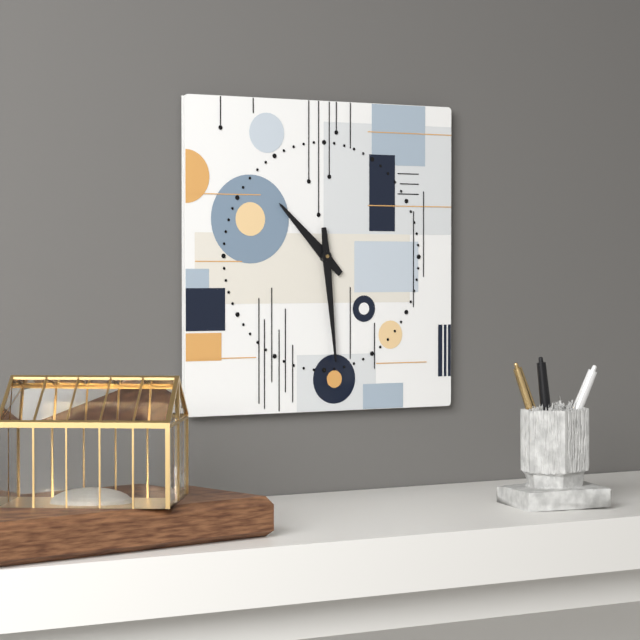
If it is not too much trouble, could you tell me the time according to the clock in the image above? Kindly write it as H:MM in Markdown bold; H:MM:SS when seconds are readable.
**10:29**
